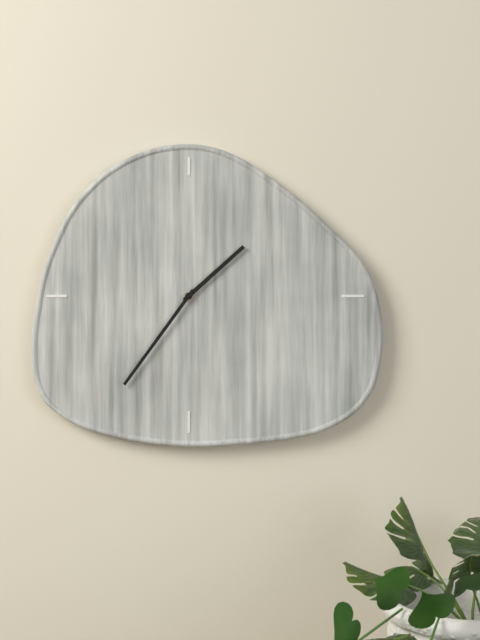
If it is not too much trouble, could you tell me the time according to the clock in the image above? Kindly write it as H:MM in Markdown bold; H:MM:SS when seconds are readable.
**1:36**
